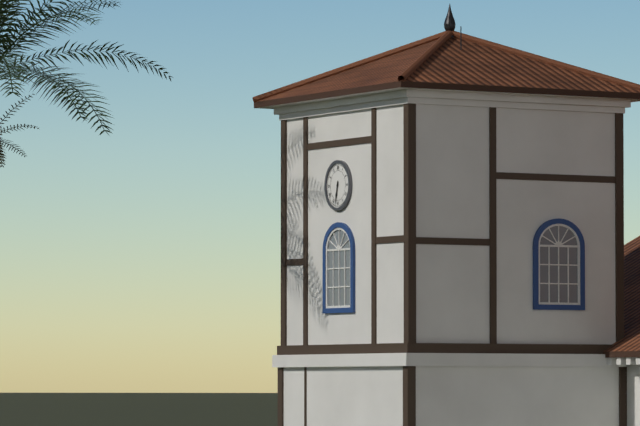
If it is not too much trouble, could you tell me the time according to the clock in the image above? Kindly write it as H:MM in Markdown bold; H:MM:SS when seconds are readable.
**6:32**
